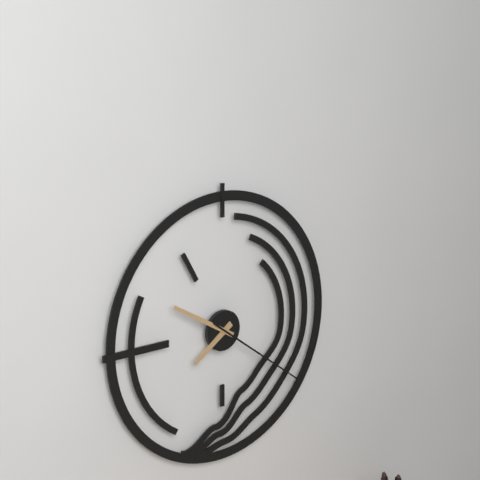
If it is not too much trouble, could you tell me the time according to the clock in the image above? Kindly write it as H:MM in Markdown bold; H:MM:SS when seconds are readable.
**7:50:21**
